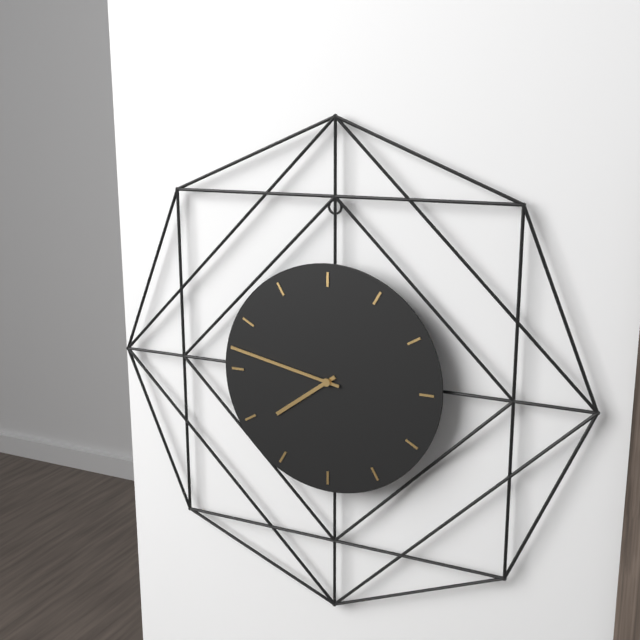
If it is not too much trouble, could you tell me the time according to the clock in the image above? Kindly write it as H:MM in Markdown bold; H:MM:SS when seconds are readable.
**7:47**
